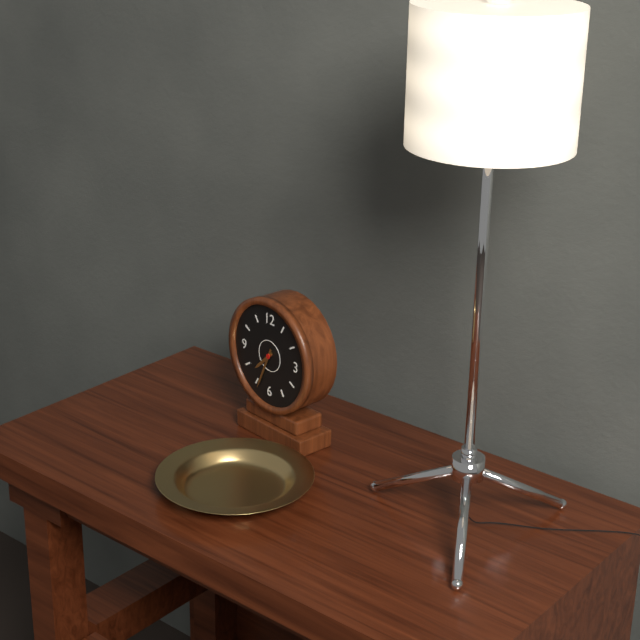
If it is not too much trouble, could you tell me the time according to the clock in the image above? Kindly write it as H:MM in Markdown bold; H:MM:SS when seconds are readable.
**7:34**
